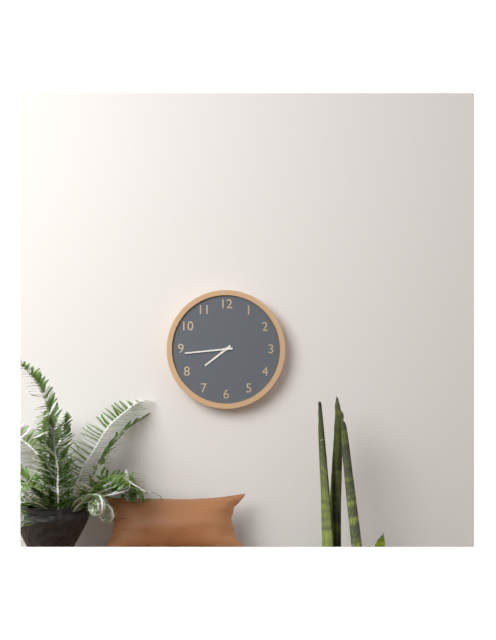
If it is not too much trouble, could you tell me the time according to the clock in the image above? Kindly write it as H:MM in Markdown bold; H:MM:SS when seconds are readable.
**7:44**
